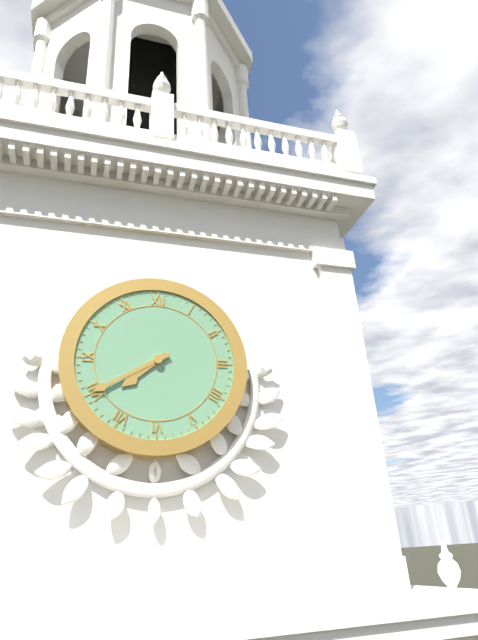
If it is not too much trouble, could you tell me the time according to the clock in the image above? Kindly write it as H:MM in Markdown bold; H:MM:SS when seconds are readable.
**7:40**
